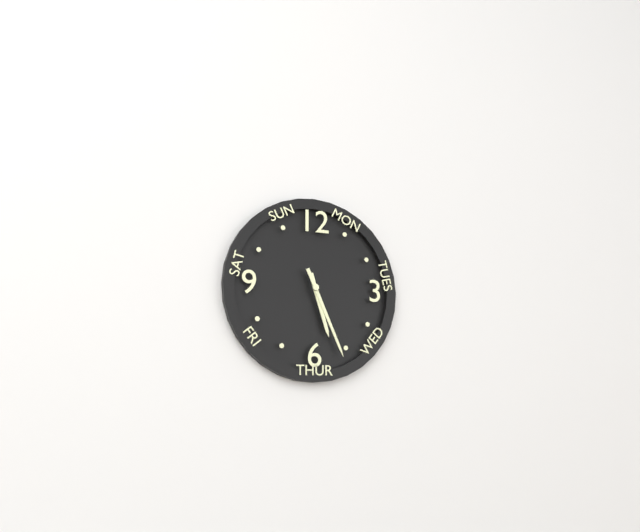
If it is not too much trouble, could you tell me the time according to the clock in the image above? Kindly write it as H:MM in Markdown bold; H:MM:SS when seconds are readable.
**5:26**
